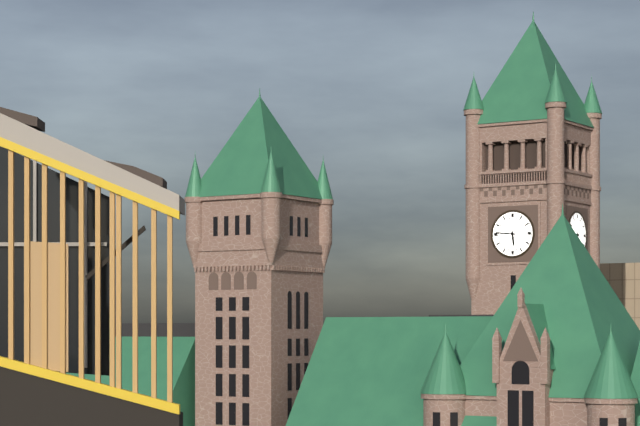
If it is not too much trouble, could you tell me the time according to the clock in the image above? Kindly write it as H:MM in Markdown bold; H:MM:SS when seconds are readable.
**5:46**
